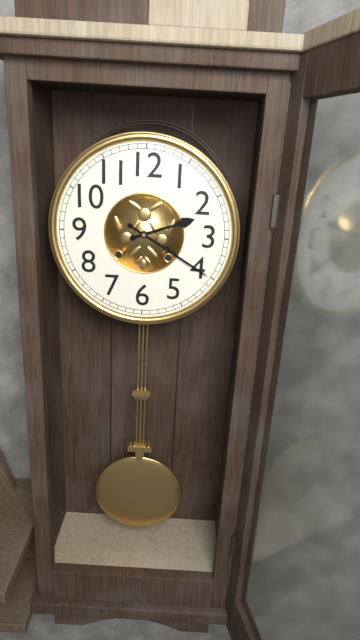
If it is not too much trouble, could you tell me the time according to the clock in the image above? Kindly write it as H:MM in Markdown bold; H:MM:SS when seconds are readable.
**2:20**
